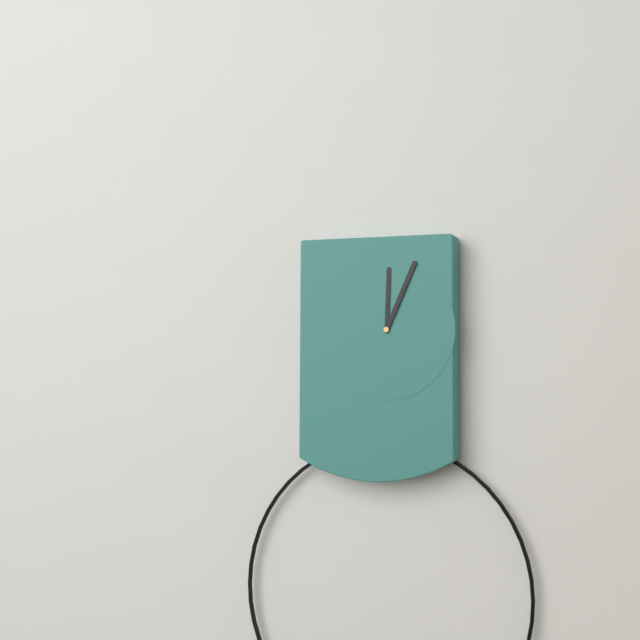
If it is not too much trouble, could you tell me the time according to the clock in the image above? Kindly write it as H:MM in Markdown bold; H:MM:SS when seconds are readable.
**12:04**
